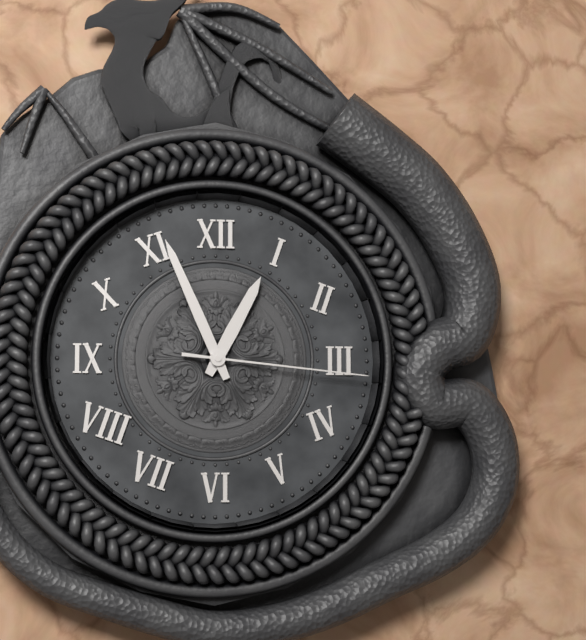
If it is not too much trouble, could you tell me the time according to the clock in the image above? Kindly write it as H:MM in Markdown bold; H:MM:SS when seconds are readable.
**12:56:16**
